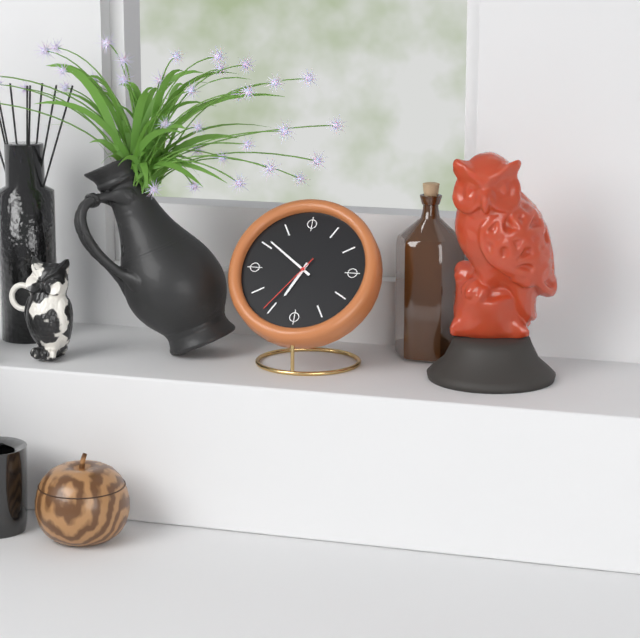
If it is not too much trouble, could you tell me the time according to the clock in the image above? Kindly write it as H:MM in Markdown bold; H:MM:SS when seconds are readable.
**6:51:36**
